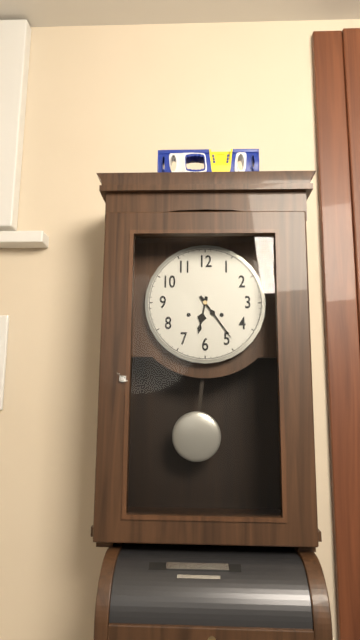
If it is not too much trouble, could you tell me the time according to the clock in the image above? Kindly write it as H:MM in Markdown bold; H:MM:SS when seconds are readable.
**6:24**
